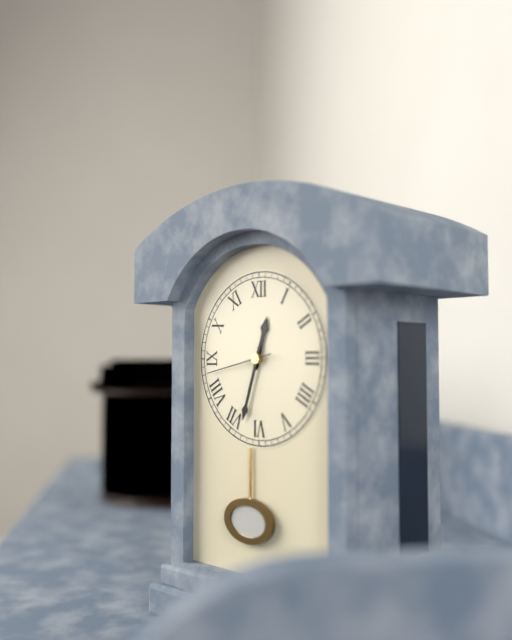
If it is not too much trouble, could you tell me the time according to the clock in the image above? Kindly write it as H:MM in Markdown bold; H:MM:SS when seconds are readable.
**12:33:43**
